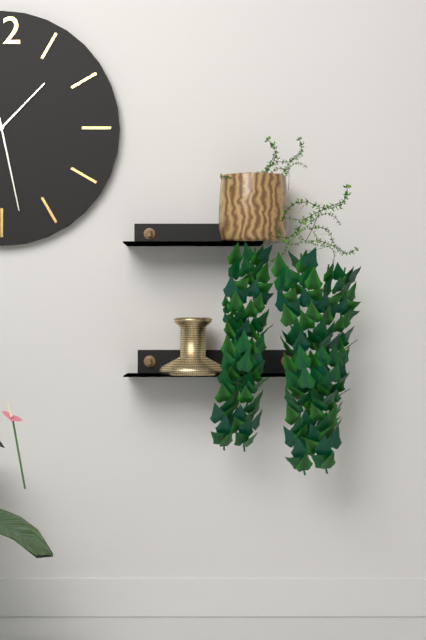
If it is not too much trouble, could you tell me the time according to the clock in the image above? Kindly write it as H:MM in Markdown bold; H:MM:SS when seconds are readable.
**1:28**
